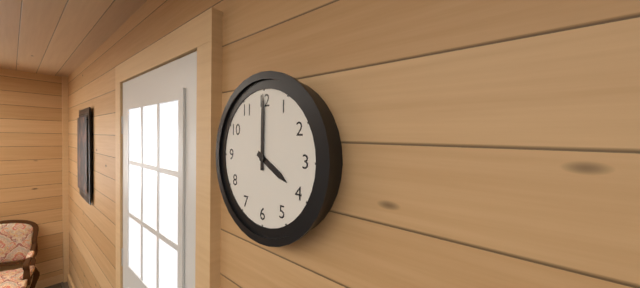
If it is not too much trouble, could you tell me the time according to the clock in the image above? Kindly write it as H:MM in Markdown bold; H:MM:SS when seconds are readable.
**4:00**
